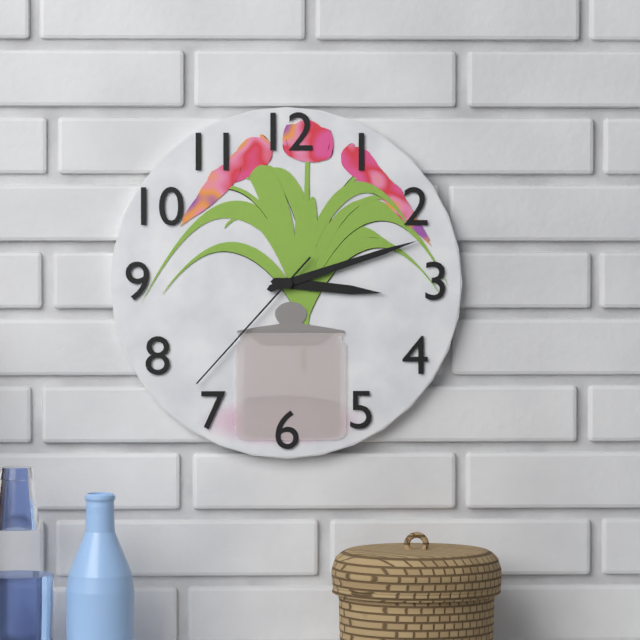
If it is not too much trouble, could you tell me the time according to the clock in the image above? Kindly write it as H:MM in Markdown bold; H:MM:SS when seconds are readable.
**3:12:37**
